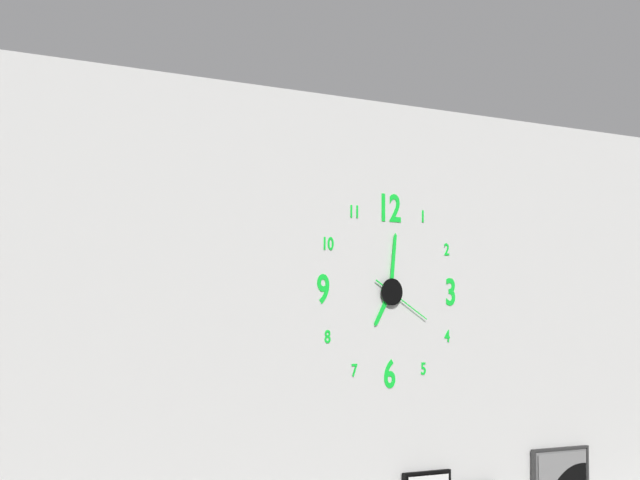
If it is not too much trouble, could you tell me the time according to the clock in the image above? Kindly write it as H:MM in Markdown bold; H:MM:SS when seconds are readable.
**7:01:20**
